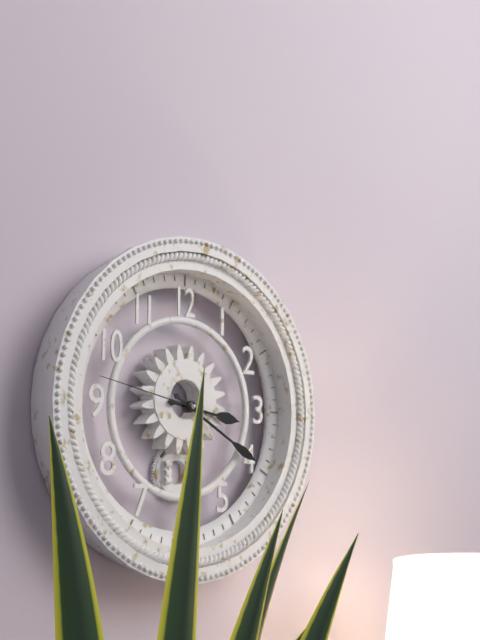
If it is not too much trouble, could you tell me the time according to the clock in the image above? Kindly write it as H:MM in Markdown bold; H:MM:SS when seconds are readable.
**3:20:47**
